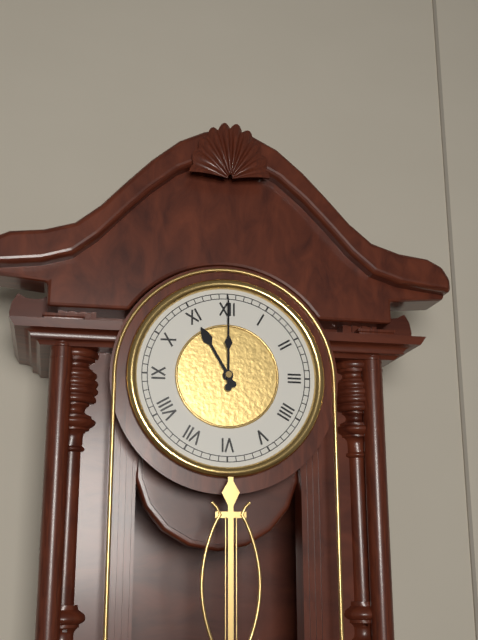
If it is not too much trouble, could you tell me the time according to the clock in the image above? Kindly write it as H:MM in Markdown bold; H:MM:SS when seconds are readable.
**11:00**
